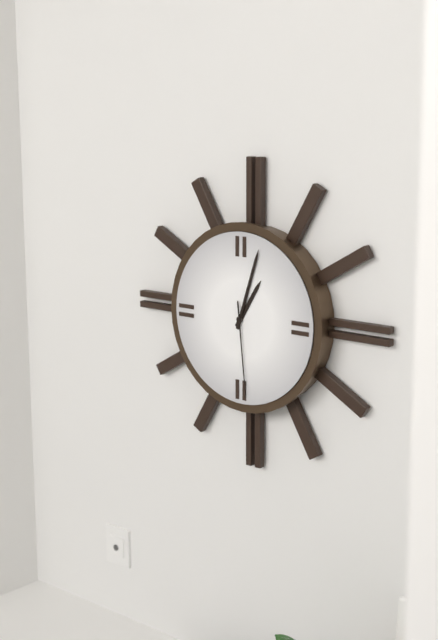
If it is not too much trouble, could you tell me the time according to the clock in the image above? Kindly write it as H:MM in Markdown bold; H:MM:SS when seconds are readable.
**1:03:29**
